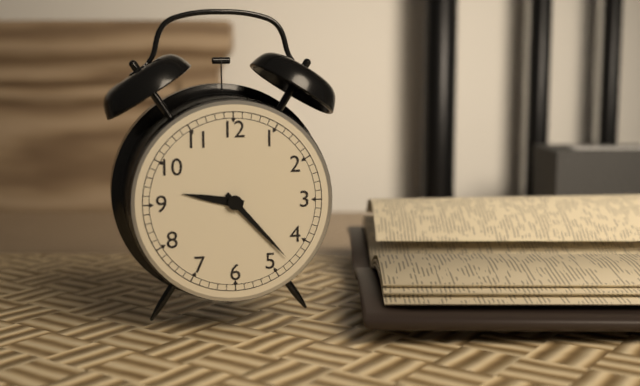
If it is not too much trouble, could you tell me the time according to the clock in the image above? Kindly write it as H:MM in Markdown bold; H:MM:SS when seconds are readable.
**9:23**
